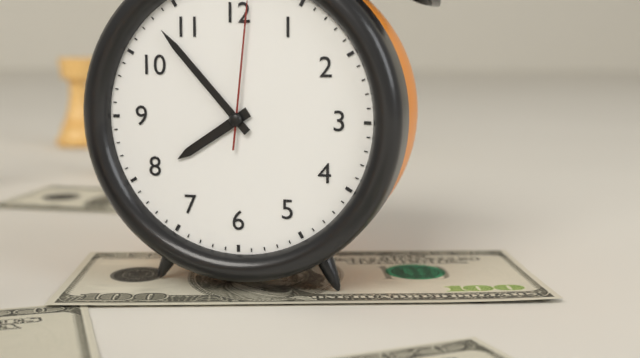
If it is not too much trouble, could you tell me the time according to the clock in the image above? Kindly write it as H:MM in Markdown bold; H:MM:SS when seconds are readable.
**7:53**
